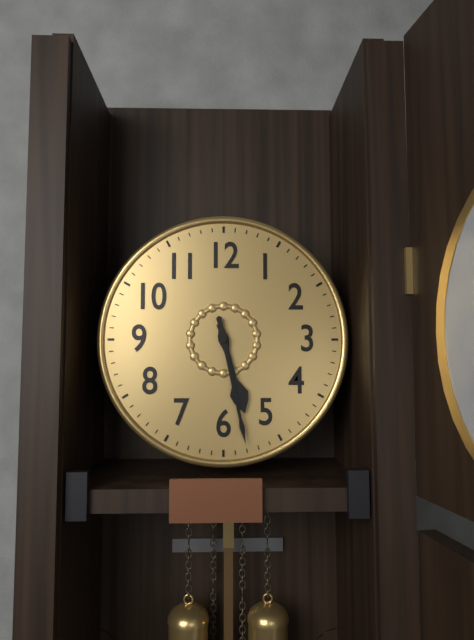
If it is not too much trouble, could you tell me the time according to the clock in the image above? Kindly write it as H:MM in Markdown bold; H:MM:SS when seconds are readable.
**5:28**
